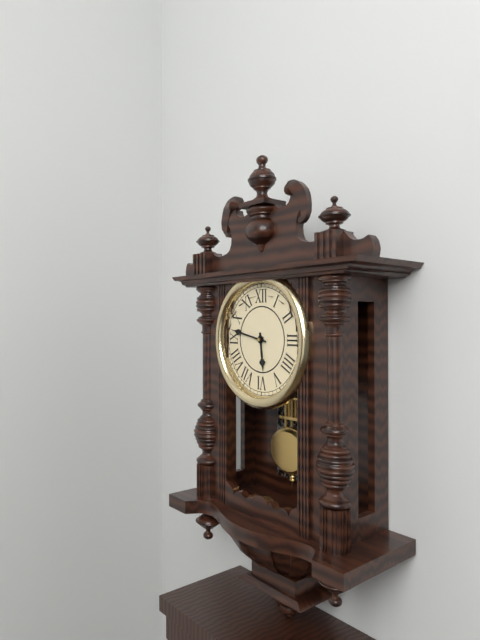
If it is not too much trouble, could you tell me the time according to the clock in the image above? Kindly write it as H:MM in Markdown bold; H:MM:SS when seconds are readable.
**5:47**
